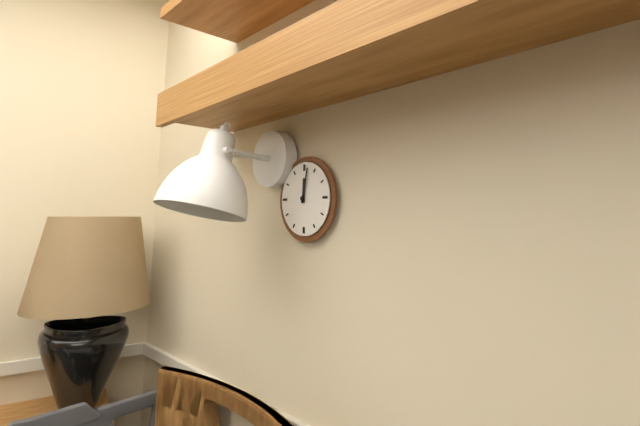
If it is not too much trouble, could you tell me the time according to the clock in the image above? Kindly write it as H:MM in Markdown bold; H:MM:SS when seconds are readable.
**12:02**
